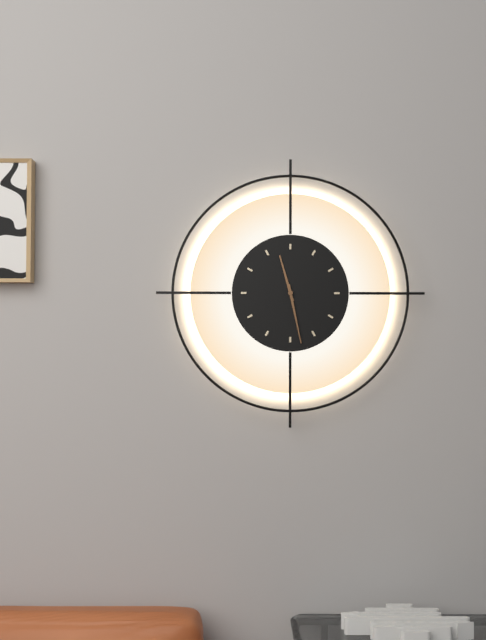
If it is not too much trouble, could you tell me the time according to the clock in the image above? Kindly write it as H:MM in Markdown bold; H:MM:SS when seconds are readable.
**11:28**
